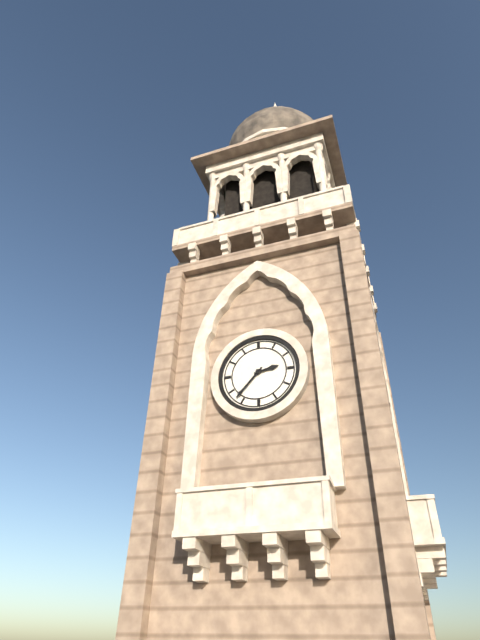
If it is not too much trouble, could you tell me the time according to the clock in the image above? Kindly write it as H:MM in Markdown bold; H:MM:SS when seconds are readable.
**2:37**
